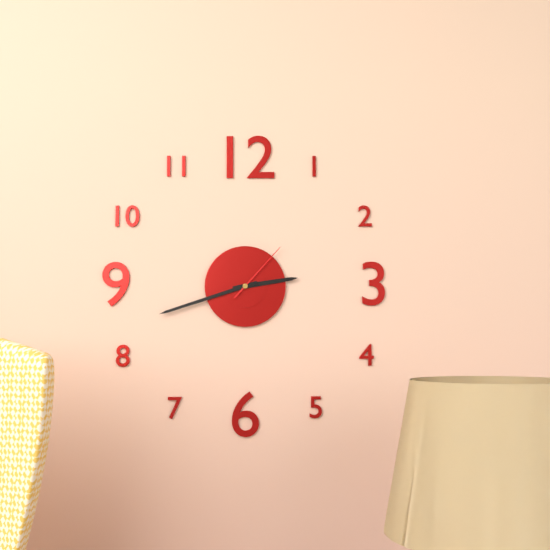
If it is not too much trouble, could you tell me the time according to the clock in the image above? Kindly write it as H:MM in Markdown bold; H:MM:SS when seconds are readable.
**2:42:07**
